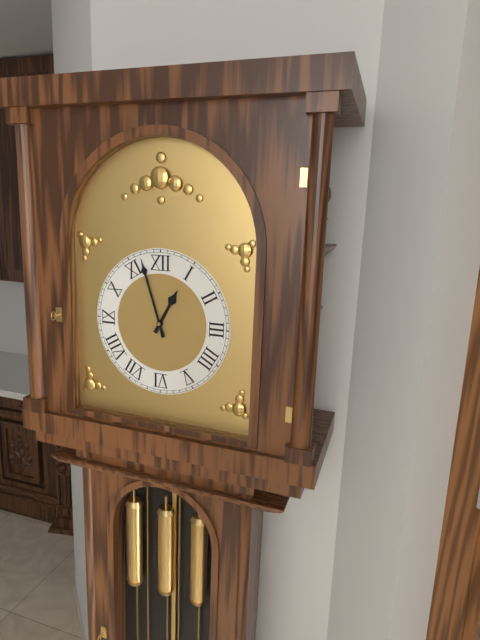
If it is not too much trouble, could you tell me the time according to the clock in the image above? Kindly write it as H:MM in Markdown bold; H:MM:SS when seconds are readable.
**12:57**
